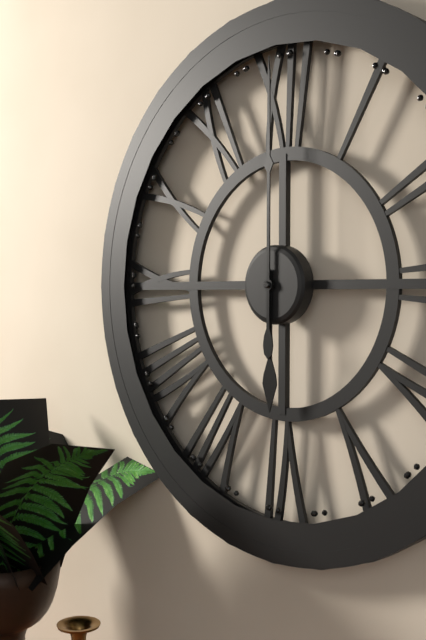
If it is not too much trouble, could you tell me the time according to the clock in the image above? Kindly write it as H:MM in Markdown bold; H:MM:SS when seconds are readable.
**6:00**
